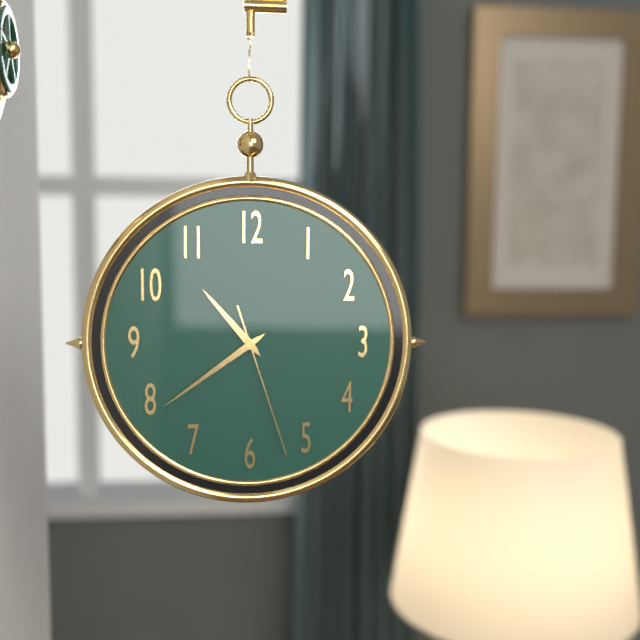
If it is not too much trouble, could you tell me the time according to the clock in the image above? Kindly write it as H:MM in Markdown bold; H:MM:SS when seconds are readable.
**10:39:27**
